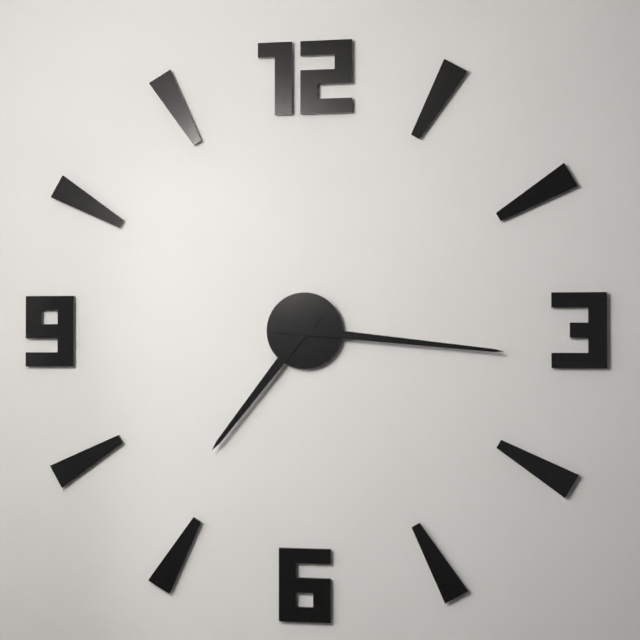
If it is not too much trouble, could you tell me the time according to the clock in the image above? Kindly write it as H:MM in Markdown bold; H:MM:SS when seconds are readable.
**7:16**
